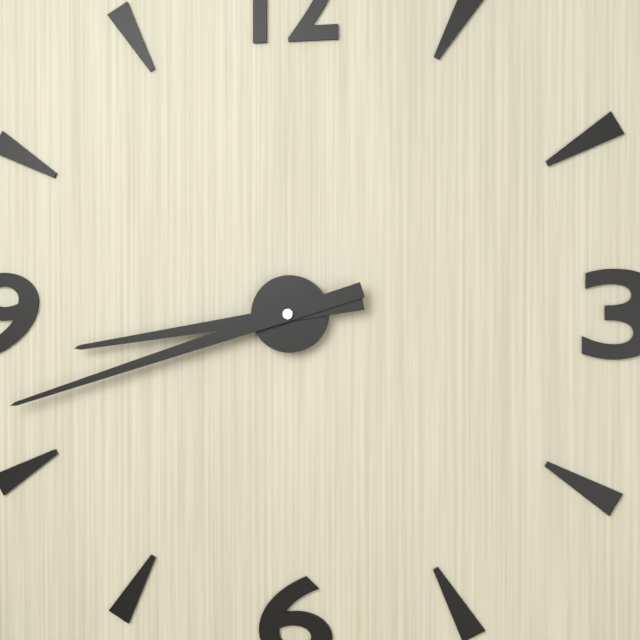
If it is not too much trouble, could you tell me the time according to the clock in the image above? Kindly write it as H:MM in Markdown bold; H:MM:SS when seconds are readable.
**8:42**
